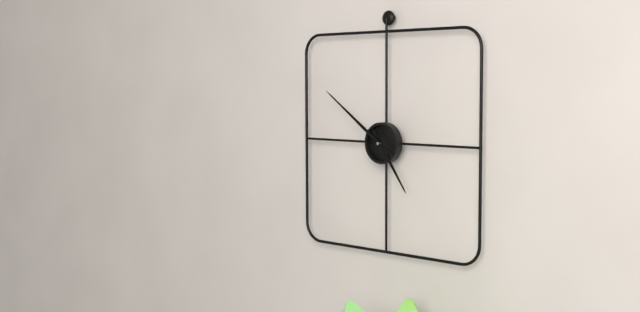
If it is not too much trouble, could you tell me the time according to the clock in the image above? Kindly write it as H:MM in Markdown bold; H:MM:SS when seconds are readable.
**4:51**
